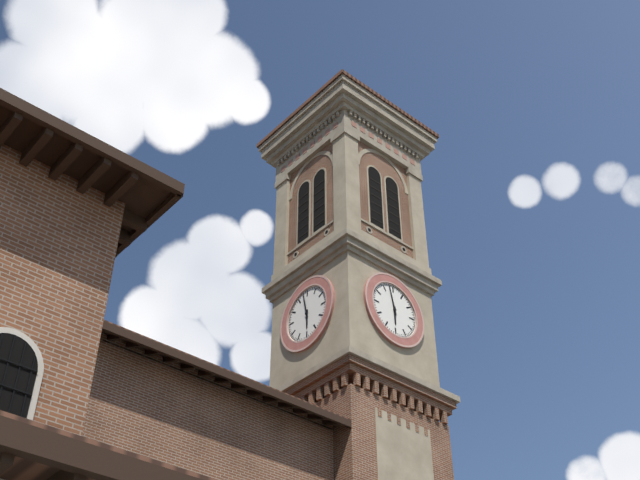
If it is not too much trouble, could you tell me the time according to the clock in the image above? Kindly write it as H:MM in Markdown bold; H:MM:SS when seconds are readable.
**5:58**
